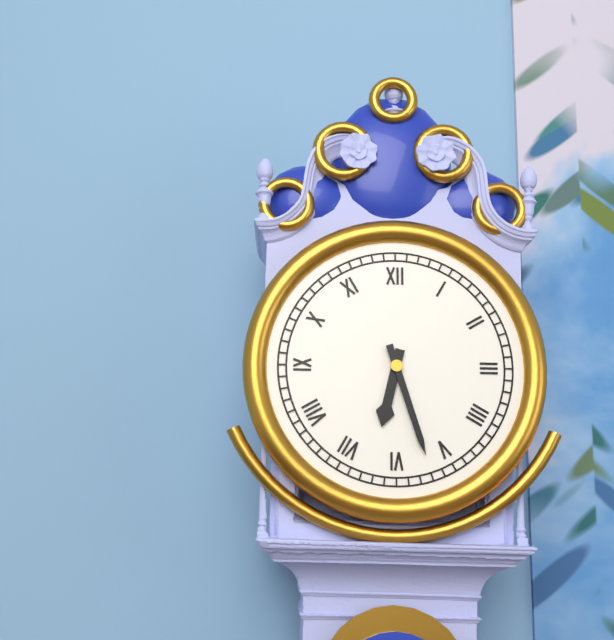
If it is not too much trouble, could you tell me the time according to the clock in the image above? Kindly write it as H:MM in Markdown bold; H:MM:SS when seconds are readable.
**6:27**
